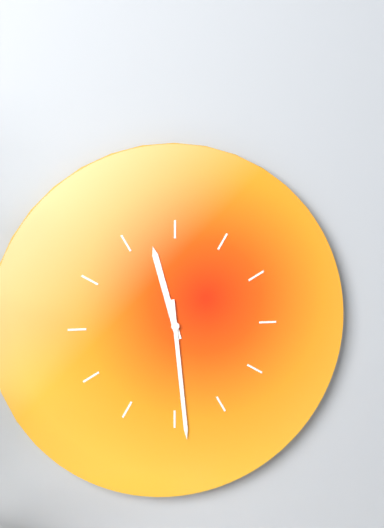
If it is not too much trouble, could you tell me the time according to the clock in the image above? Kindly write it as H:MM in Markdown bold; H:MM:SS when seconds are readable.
**11:29**
